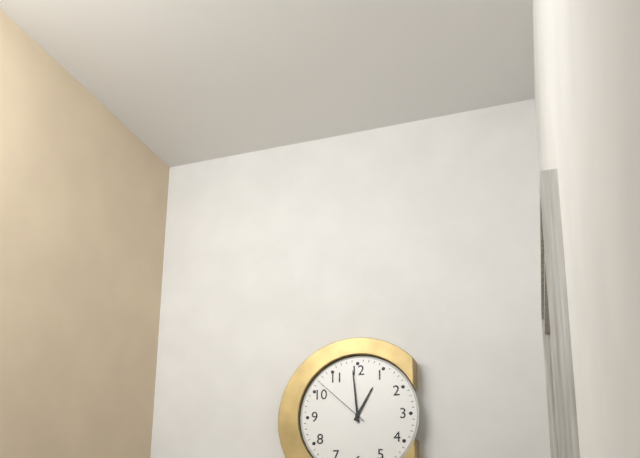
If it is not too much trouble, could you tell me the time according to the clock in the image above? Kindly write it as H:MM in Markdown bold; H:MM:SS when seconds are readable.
**12:59:52**
